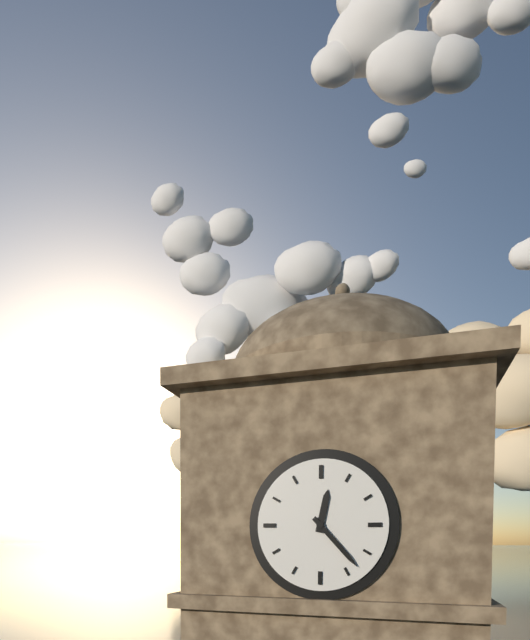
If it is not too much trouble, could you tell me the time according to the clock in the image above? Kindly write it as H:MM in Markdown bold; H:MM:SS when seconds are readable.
**12:23**
